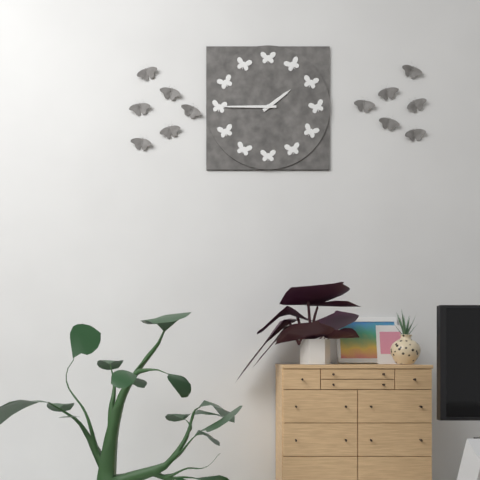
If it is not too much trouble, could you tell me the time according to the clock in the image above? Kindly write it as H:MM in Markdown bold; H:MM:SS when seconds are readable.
**1:45**
